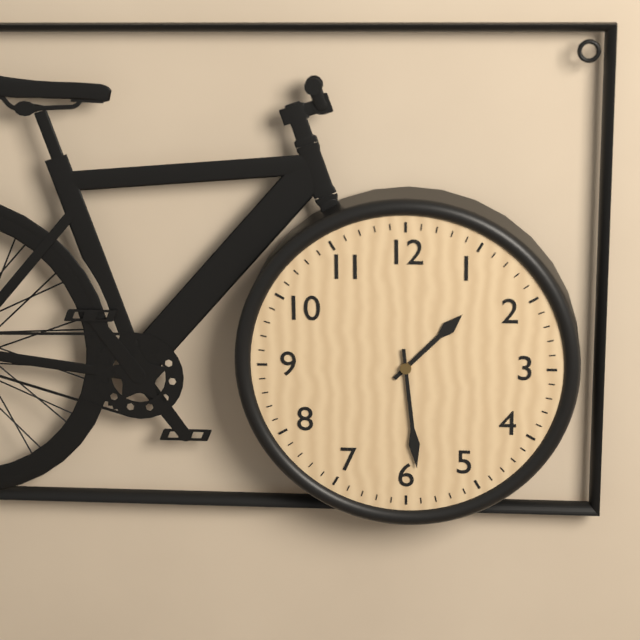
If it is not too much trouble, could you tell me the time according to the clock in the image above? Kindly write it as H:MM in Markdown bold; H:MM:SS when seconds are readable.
**1:29**
